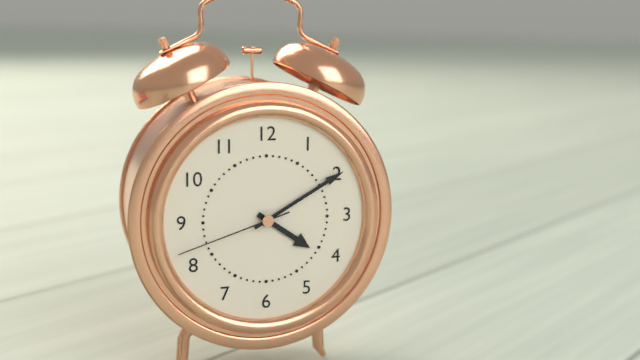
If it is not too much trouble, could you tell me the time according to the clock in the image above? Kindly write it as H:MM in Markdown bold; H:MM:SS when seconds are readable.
**4:10:42**
